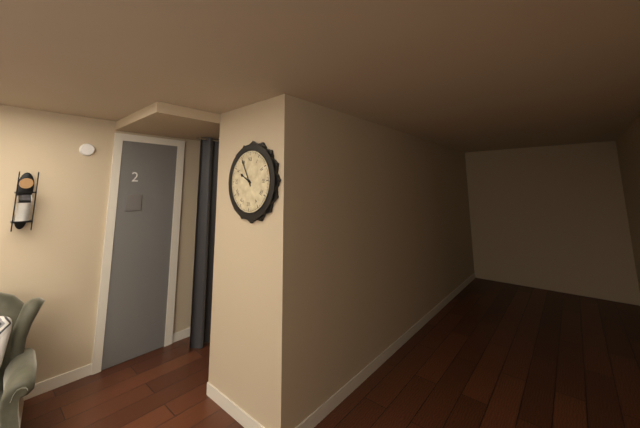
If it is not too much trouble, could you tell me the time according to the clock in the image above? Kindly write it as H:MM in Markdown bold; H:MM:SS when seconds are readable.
**9:55**
